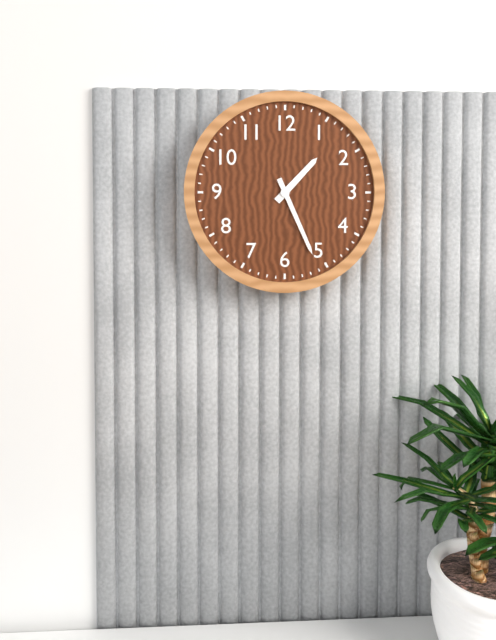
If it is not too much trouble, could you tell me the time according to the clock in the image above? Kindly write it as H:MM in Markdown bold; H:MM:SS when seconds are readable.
**1:26**
